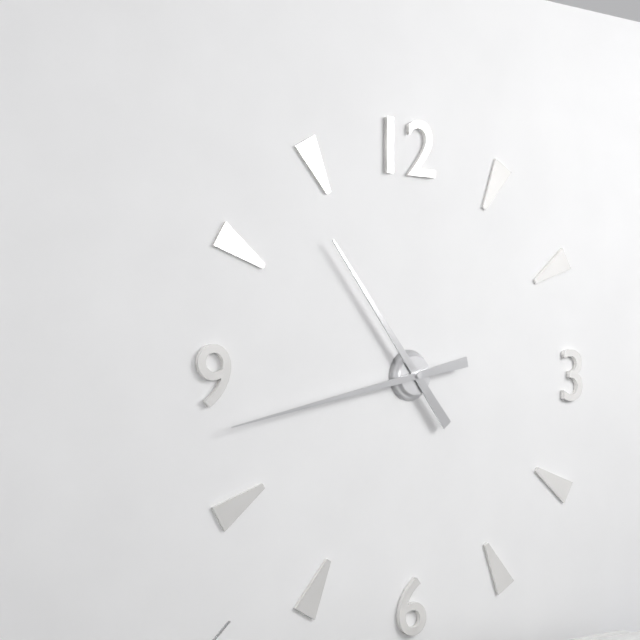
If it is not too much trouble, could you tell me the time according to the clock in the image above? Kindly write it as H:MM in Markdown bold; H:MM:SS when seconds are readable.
**10:43**
